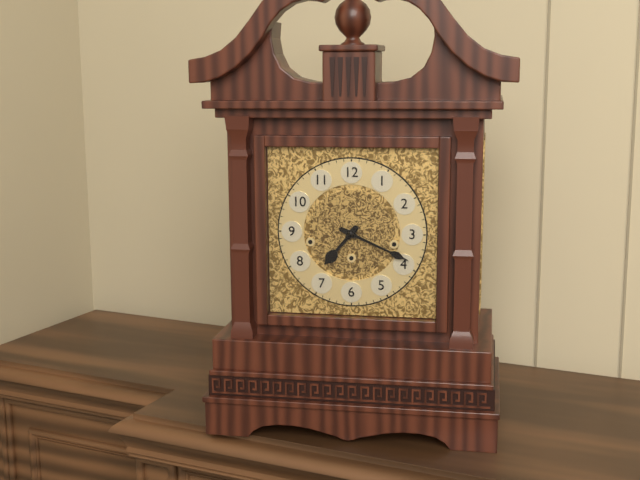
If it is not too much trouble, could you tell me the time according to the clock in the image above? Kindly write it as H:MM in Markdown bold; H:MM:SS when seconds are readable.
**7:19**
